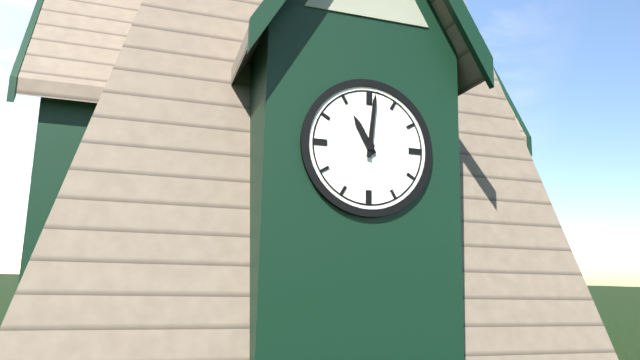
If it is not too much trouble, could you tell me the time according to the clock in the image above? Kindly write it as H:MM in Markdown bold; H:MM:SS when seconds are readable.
**11:01**
